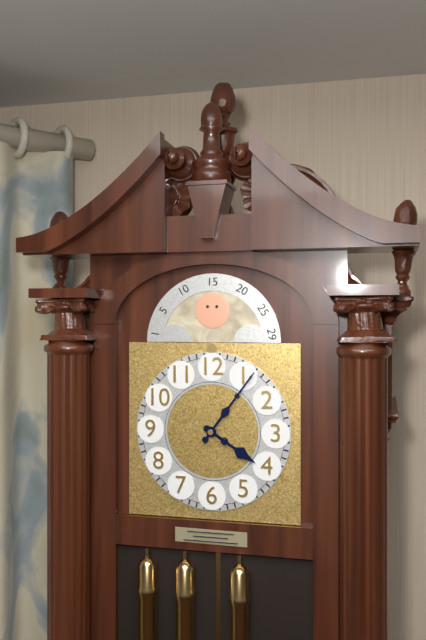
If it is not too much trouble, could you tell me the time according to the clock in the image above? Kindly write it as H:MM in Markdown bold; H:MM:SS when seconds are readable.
**4:06**
